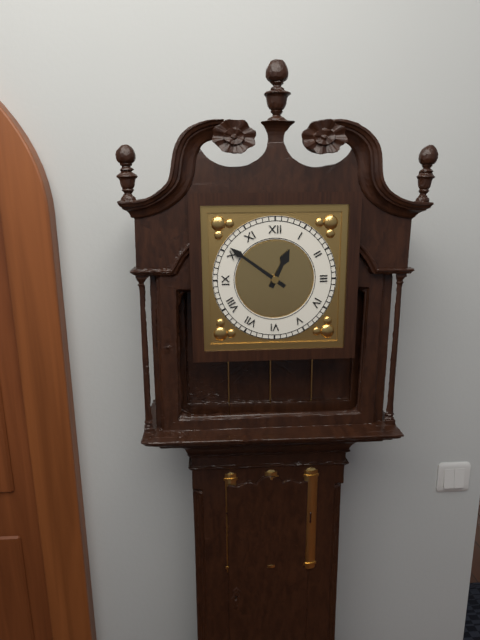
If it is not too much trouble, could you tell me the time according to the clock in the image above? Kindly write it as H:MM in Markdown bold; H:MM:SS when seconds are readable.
**12:51**
